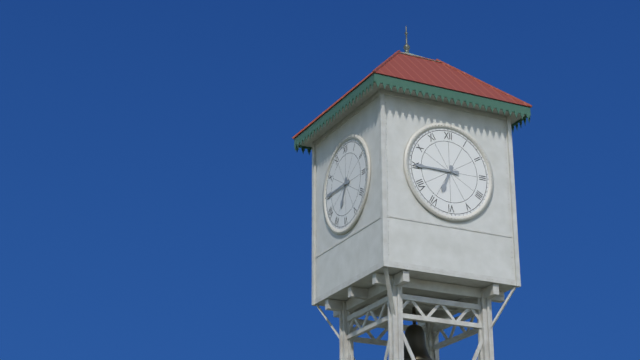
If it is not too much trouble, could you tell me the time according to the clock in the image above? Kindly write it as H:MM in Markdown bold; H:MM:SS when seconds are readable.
**6:45**
